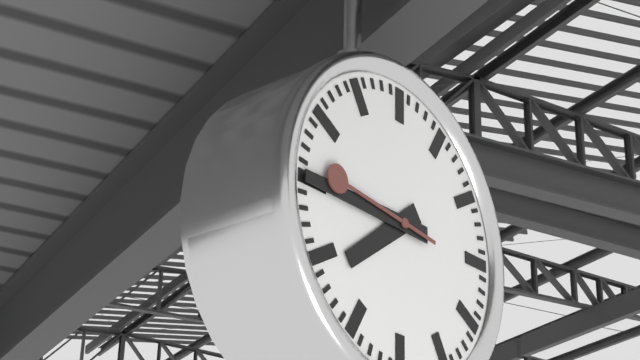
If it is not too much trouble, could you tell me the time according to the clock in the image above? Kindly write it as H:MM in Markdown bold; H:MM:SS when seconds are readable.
**7:45:46**
